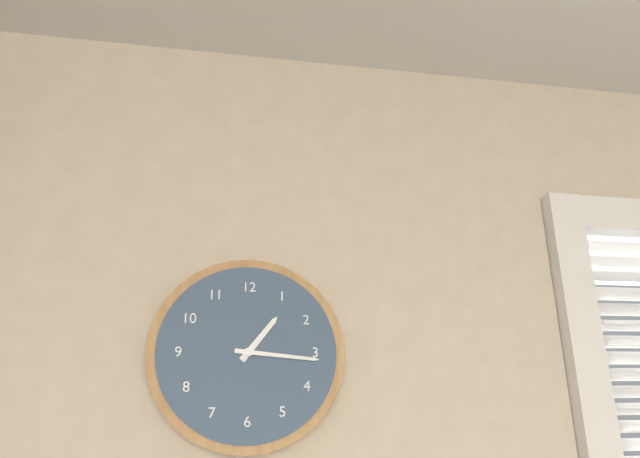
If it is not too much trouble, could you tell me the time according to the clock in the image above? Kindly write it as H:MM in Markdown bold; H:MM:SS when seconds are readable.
**1:16**
